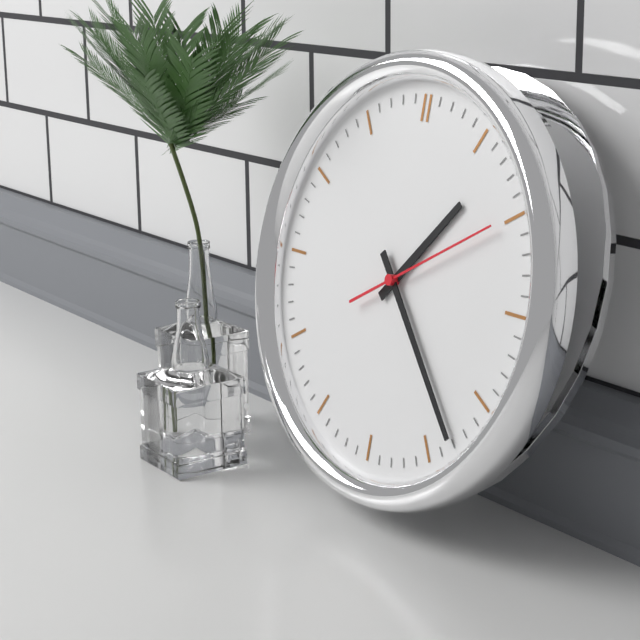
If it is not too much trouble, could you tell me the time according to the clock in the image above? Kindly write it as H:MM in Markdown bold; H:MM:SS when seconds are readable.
**1:23:10**
